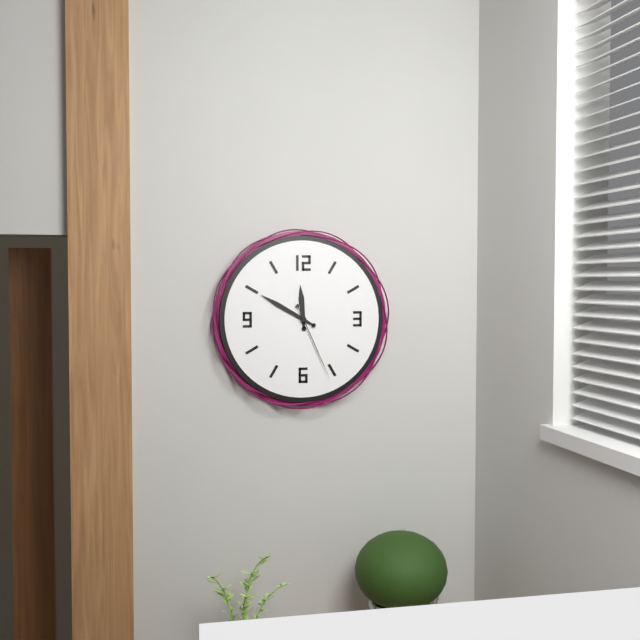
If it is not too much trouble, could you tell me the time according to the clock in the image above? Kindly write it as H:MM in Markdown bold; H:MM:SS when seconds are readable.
**11:50:26**
